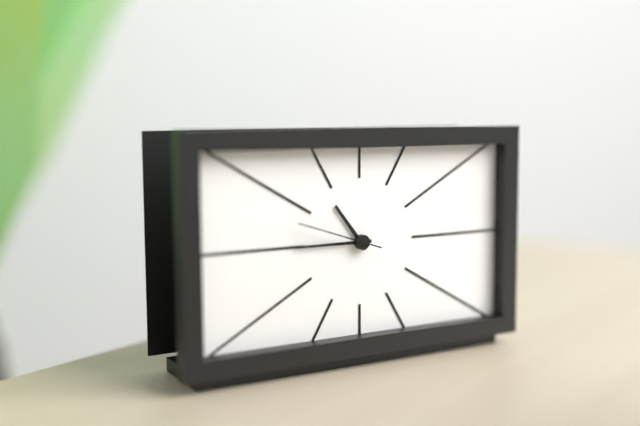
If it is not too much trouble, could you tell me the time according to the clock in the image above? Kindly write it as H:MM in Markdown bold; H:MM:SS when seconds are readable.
**10:45:48**
